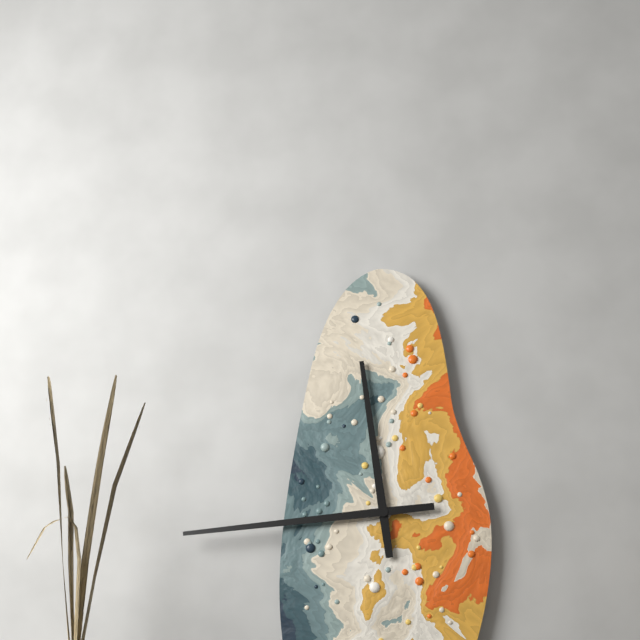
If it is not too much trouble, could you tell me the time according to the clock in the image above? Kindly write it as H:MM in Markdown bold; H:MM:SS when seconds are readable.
**11:44**
